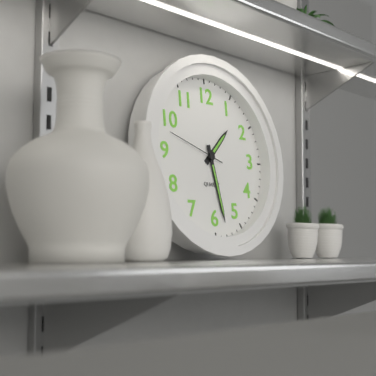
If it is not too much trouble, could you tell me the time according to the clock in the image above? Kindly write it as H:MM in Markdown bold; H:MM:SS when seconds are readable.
**1:28:48**
